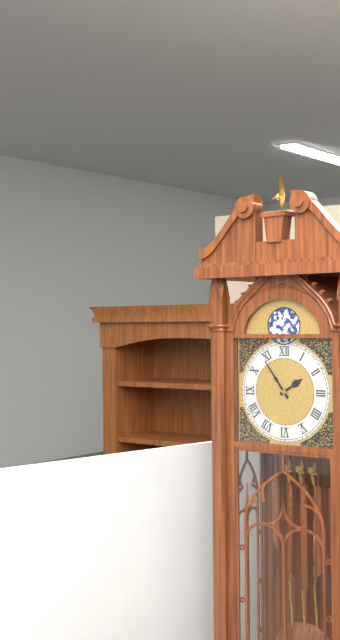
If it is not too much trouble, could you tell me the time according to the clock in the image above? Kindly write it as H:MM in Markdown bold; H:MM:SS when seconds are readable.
**1:54**
